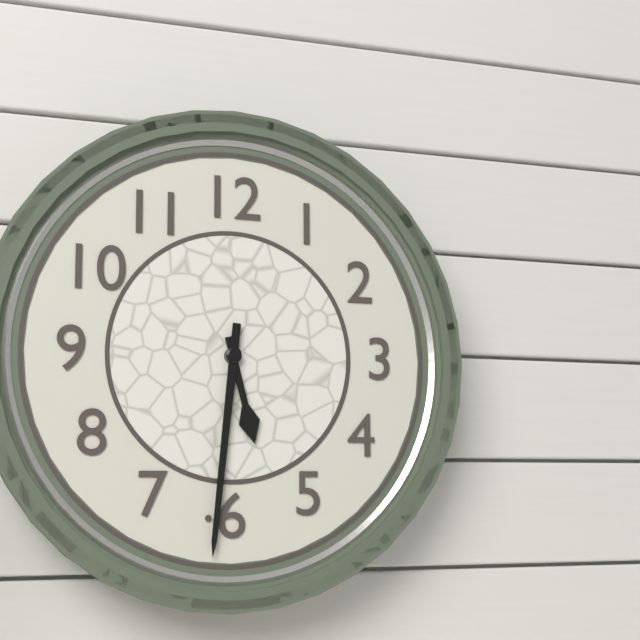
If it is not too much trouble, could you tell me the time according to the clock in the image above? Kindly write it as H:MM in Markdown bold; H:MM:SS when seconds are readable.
**5:31**
